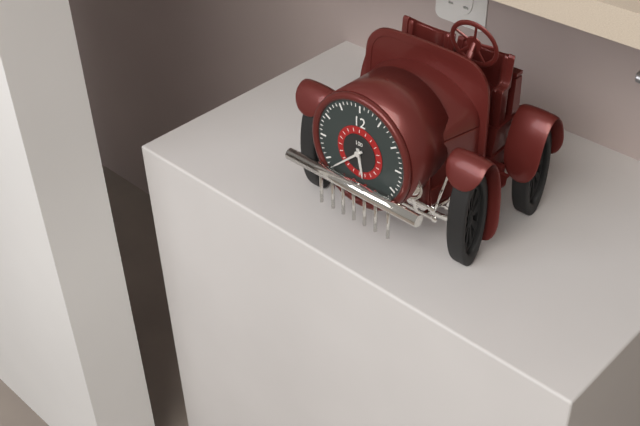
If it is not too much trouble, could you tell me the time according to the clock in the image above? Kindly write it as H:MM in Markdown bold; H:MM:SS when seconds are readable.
**5:38**
